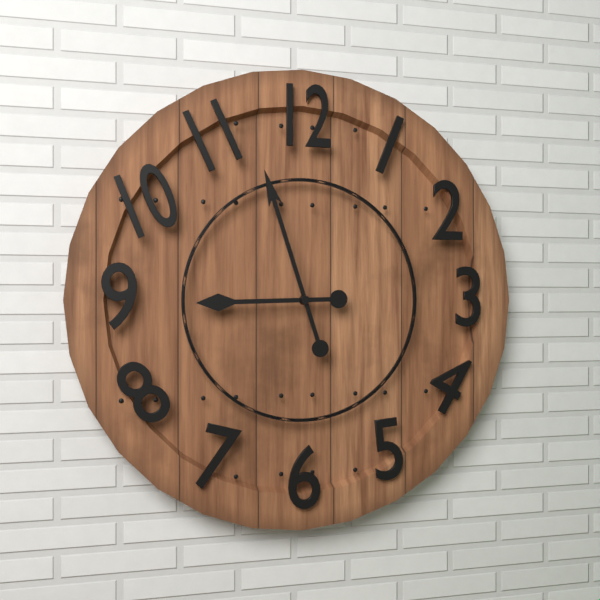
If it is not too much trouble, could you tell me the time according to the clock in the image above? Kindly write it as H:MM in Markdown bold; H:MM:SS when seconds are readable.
**8:57**
